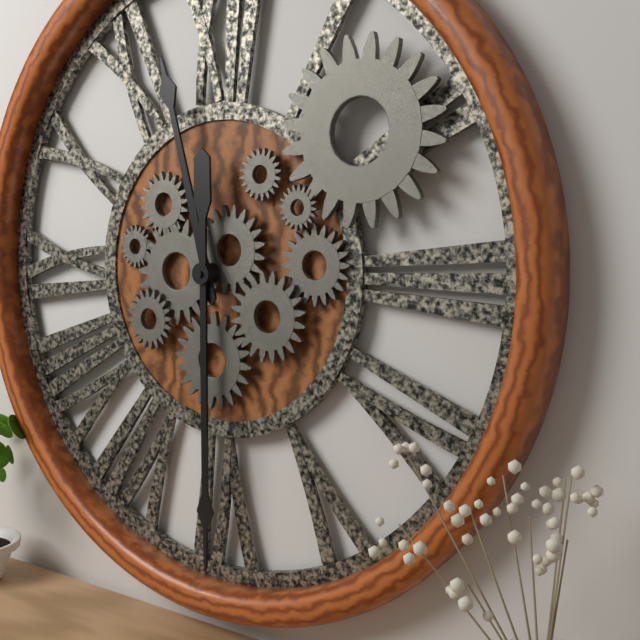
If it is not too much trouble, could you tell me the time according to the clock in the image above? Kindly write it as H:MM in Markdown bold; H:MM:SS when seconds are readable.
**11:30**
